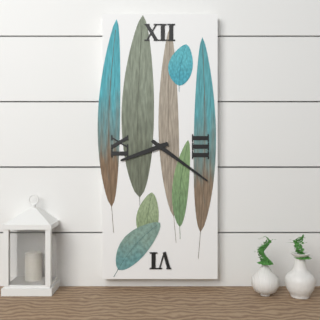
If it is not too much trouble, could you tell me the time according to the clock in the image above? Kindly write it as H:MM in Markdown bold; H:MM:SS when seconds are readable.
**8:21**
